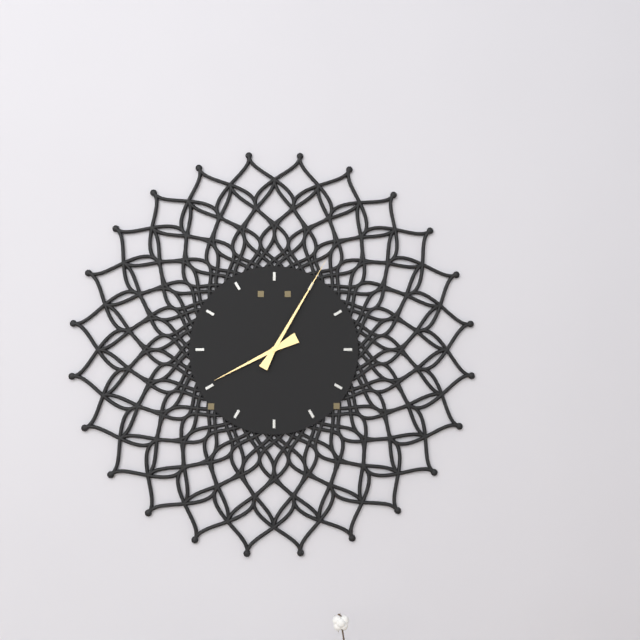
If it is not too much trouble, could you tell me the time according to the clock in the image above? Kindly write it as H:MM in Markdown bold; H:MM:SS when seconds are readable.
**8:05**
